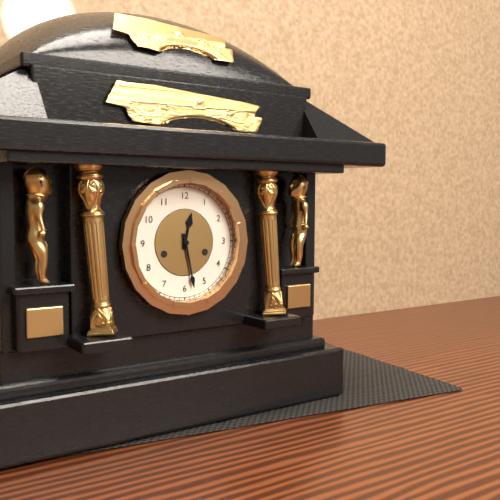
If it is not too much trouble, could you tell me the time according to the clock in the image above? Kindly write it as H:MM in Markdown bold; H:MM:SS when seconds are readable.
**12:28**
